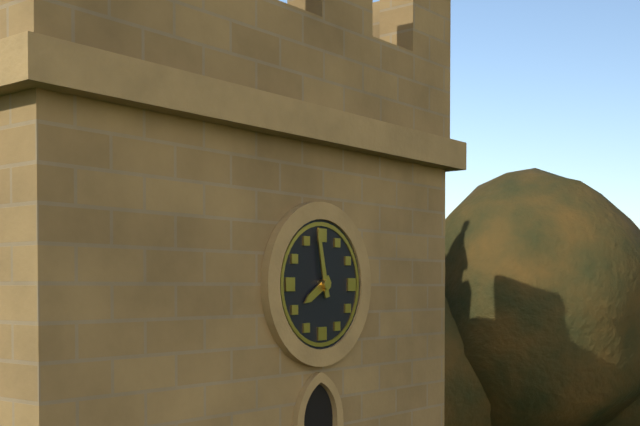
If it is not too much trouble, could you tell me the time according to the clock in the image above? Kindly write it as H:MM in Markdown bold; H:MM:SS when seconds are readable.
**7:58**
